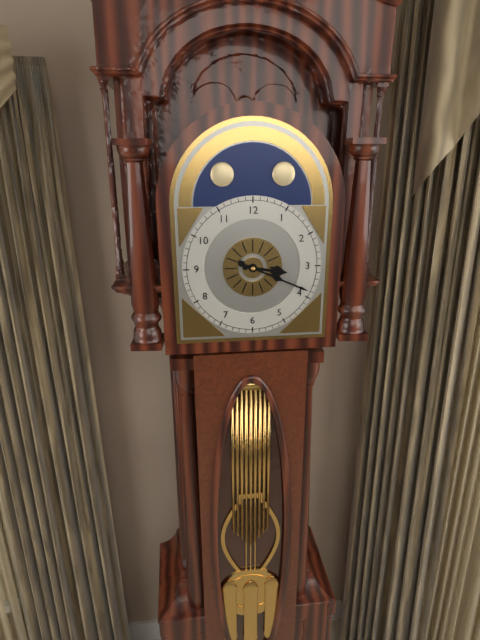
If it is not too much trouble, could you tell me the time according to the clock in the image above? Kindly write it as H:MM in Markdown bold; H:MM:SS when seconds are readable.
**3:19**
